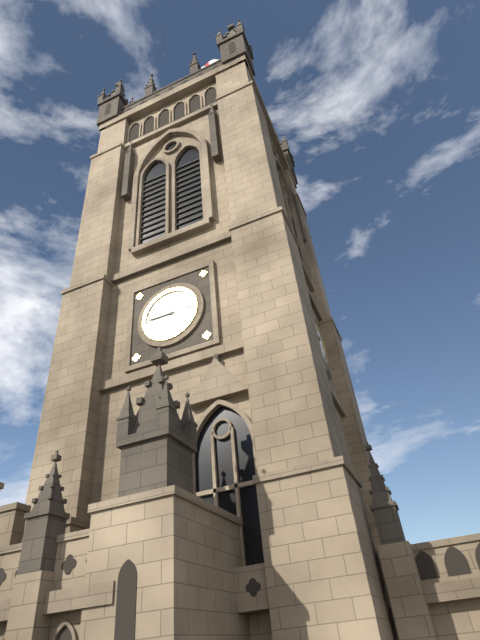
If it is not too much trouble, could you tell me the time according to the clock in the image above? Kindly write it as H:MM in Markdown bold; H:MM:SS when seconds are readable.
**9:45**
